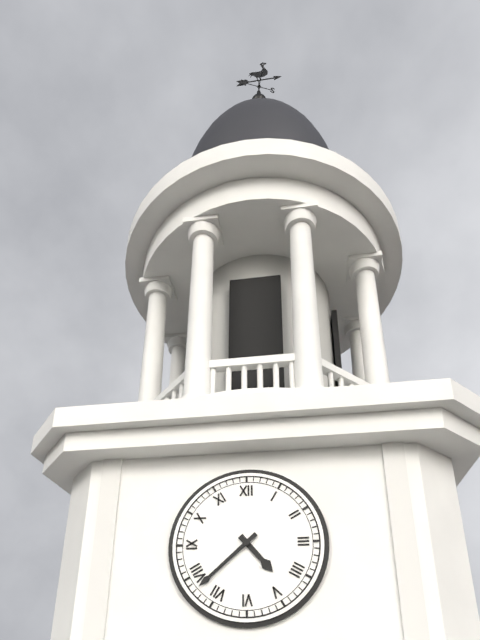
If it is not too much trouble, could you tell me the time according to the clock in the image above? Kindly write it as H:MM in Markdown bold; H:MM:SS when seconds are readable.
**4:38**
